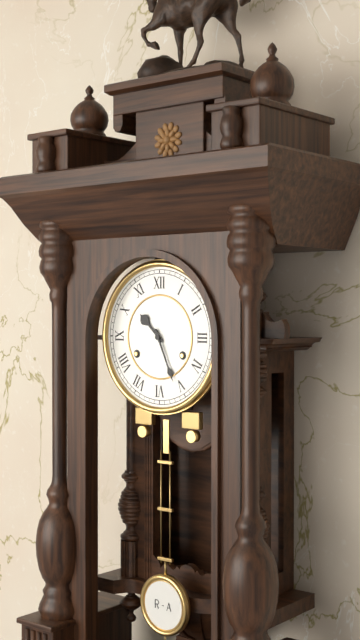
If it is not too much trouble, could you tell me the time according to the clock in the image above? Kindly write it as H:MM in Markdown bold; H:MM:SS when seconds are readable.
**10:26**
